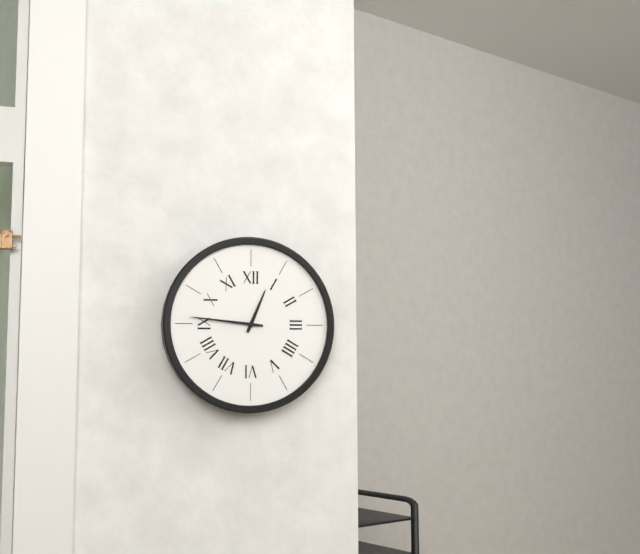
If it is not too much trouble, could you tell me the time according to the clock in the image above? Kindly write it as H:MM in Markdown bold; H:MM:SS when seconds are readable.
**12:46**
